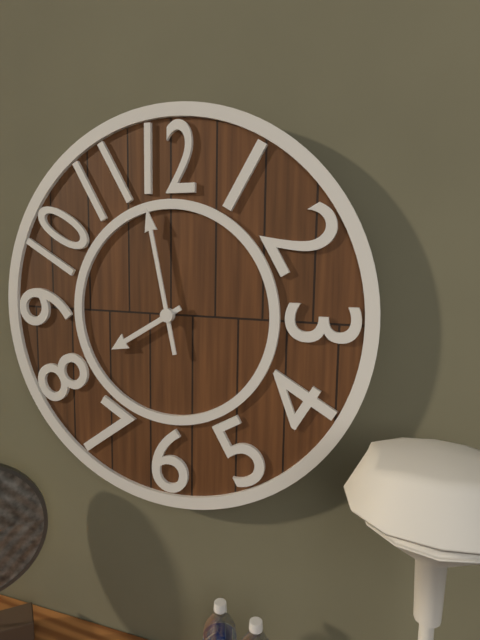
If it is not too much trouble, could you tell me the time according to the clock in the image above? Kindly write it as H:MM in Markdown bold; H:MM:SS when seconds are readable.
**7:58**
